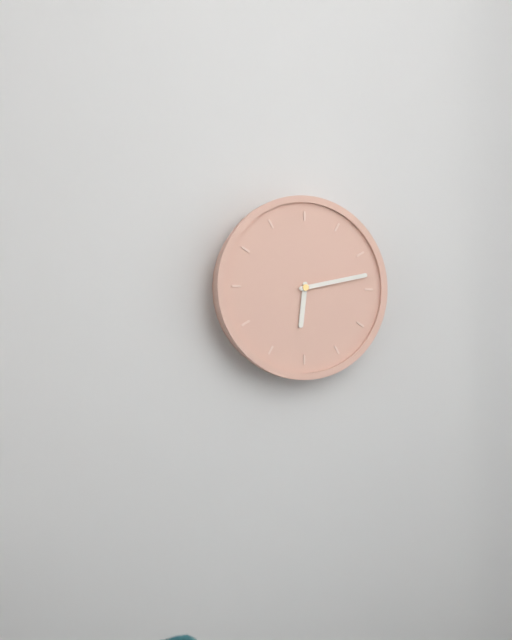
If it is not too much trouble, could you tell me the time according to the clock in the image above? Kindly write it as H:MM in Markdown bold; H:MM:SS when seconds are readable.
**6:13**
